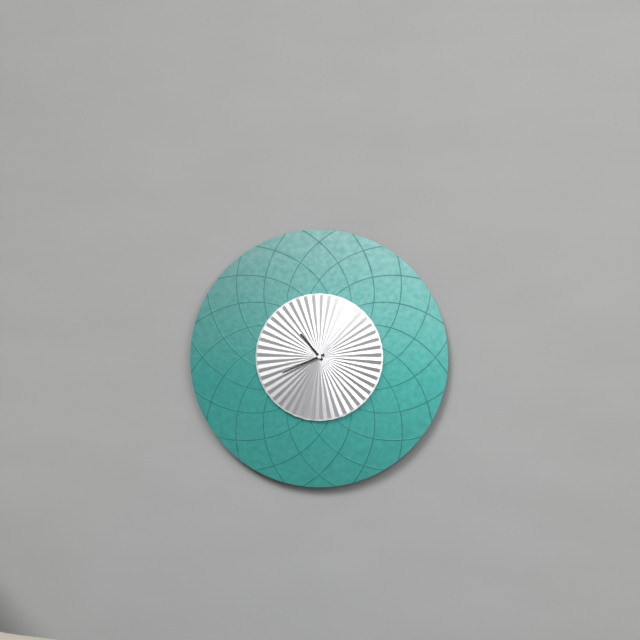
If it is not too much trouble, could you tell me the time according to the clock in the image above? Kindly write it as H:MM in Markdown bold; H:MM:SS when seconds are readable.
**10:41**
